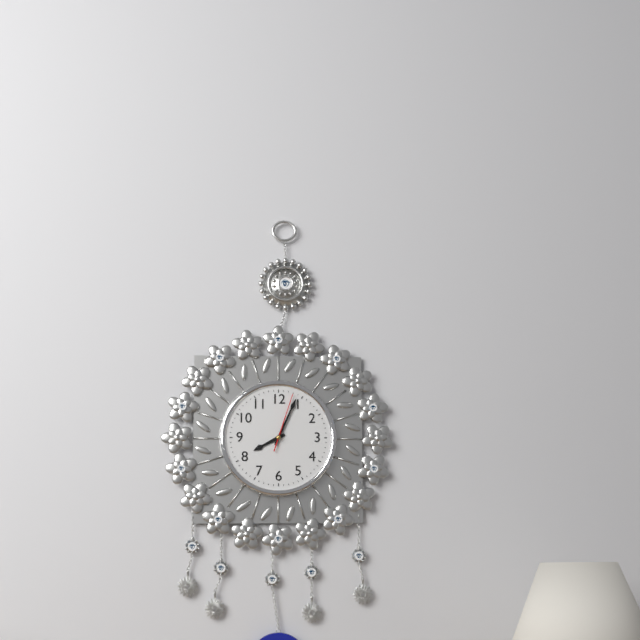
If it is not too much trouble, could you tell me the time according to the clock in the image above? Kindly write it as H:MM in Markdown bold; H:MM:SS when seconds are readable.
**8:04:03**
